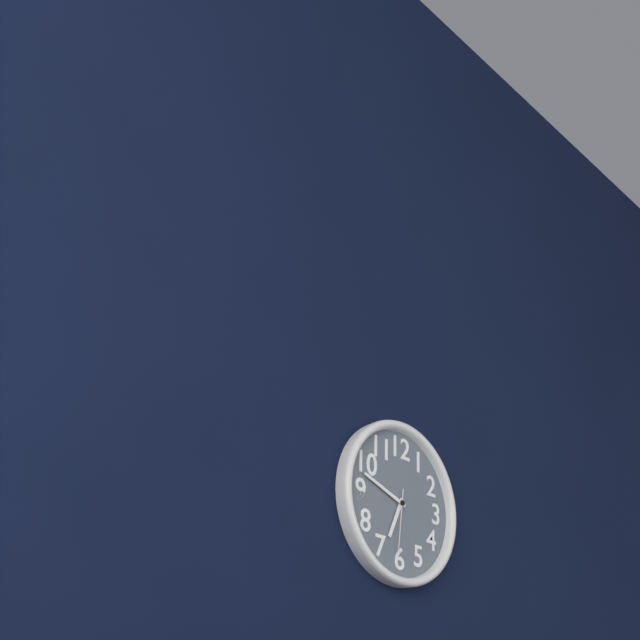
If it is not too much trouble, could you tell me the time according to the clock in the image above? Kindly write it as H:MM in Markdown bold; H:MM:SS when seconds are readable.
**6:48:31**
